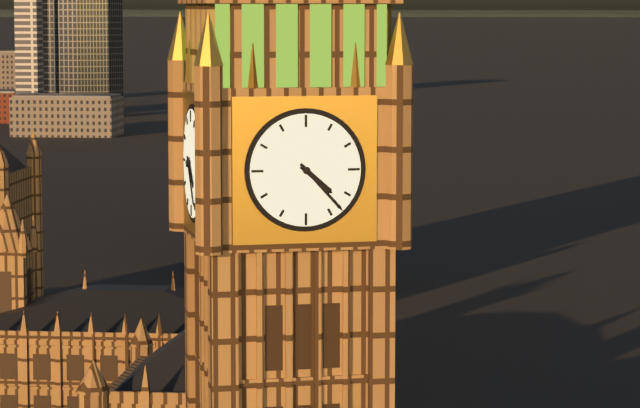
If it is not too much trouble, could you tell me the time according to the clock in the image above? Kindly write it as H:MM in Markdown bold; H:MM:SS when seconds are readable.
**4:23**
